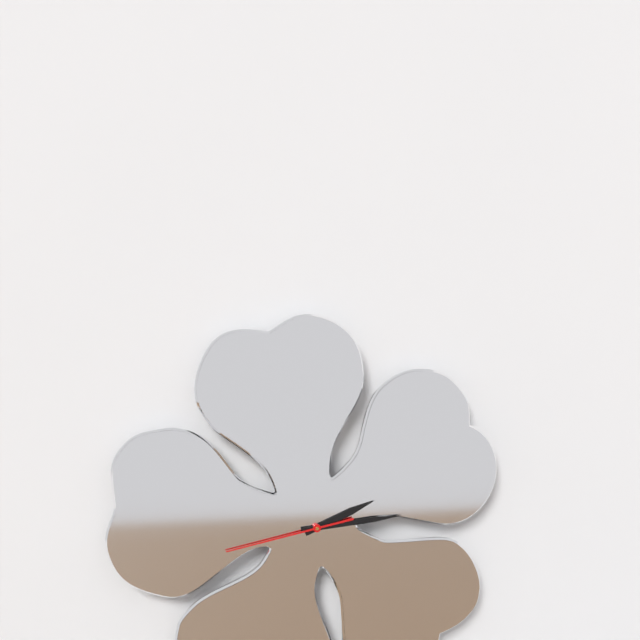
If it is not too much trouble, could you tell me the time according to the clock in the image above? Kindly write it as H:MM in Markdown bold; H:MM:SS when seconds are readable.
**2:14:43**
